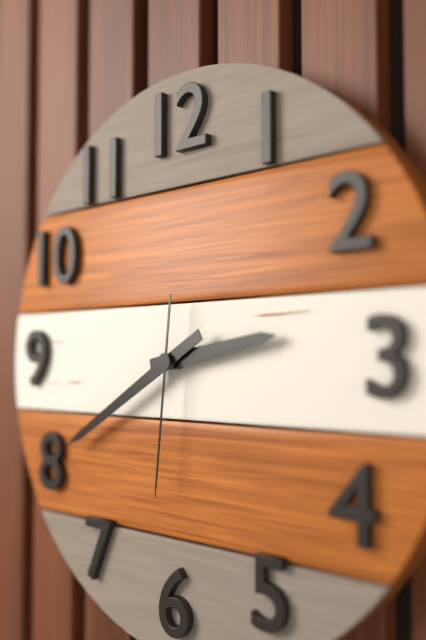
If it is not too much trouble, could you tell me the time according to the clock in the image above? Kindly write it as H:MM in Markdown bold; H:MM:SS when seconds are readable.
**2:40:31**
